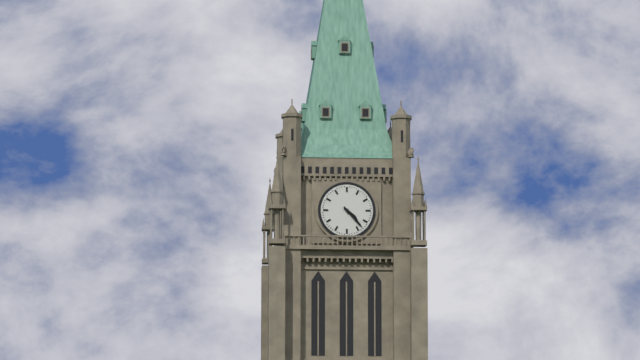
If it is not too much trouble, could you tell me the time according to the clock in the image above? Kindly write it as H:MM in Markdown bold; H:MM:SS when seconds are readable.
**4:23**
